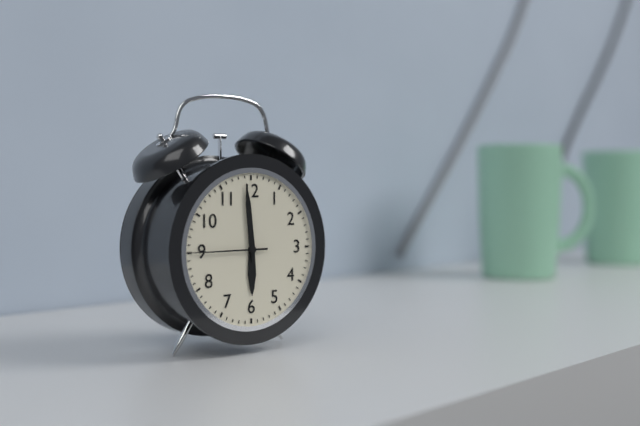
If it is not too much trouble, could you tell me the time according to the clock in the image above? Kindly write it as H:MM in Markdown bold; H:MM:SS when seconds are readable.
**5:59:45**
